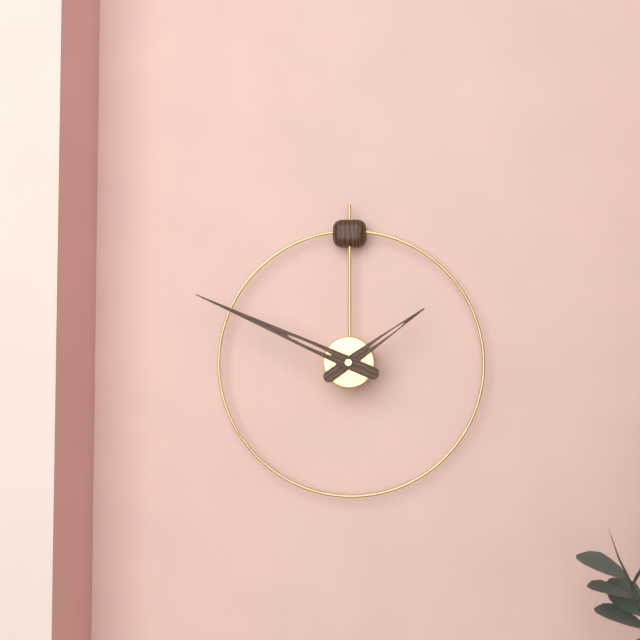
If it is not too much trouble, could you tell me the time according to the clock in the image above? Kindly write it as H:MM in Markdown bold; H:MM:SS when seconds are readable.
**1:49**
